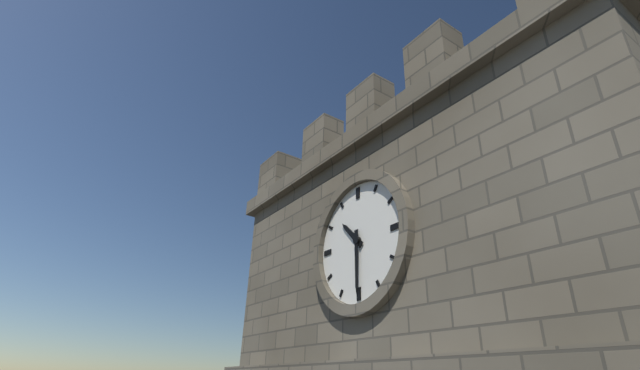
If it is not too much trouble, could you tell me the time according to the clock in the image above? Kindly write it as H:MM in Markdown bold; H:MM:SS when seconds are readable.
**10:30**
